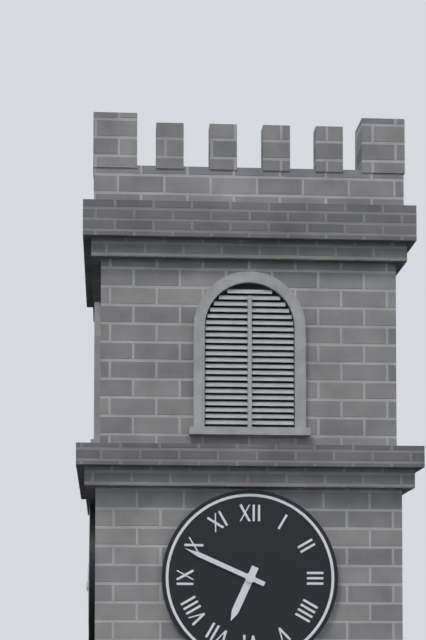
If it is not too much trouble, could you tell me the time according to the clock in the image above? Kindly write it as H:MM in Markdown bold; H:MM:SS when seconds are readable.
**6:49**
